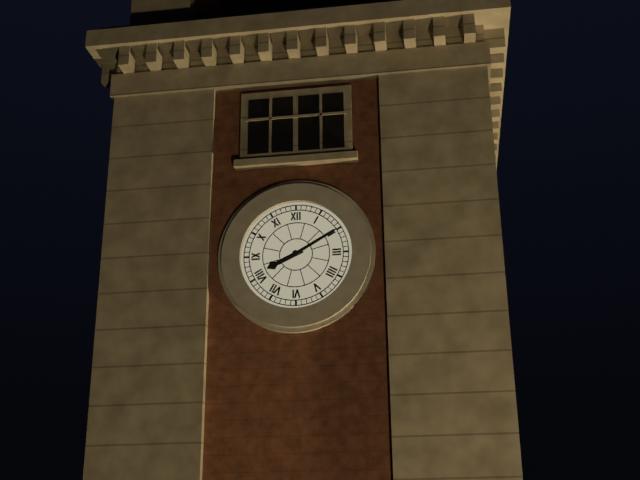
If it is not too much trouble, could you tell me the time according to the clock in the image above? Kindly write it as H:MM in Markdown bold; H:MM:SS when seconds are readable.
**8:10**
